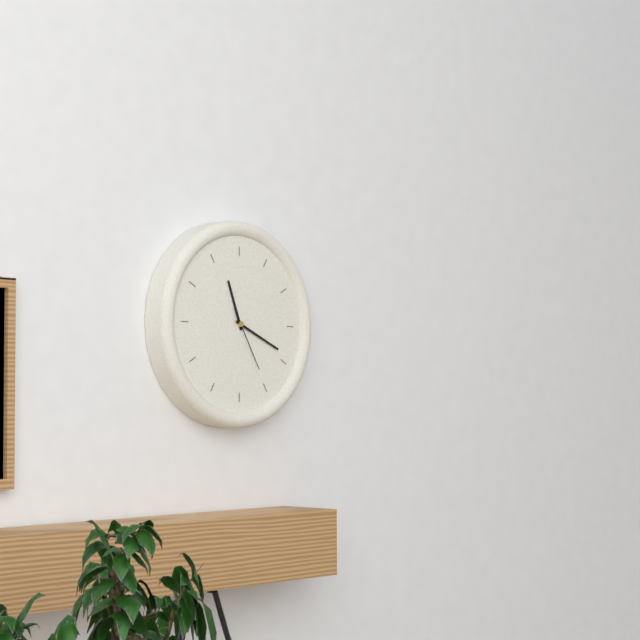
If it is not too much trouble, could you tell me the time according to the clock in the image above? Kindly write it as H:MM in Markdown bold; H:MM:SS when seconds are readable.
**11:19:25**
